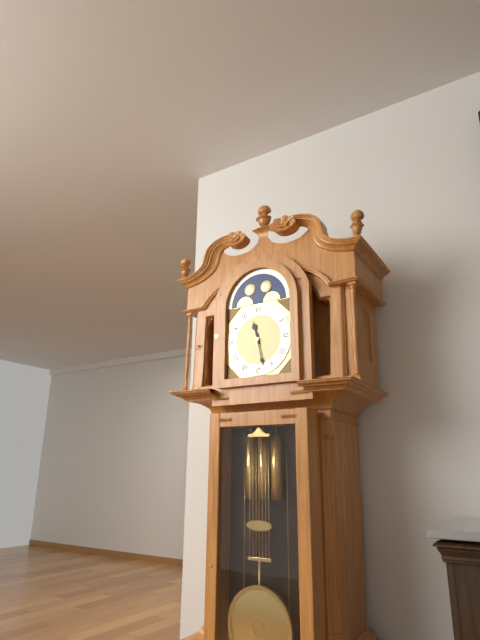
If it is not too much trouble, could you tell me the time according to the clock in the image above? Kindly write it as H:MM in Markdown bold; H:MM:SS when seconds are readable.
**11:28**
